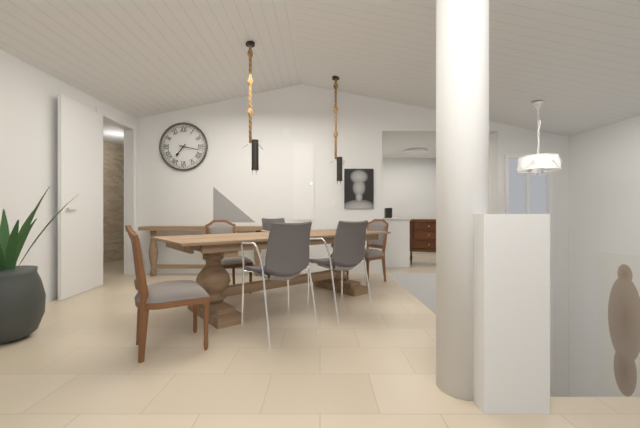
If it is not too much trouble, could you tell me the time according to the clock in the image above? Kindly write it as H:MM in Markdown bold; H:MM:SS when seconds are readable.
**7:17**
